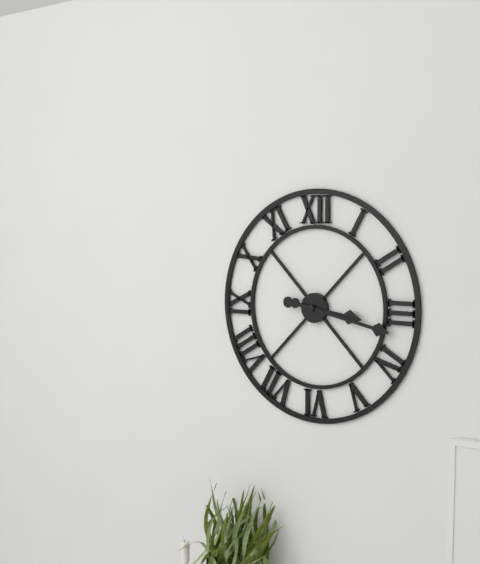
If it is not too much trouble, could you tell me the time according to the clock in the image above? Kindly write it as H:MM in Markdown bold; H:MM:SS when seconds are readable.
**3:17**
